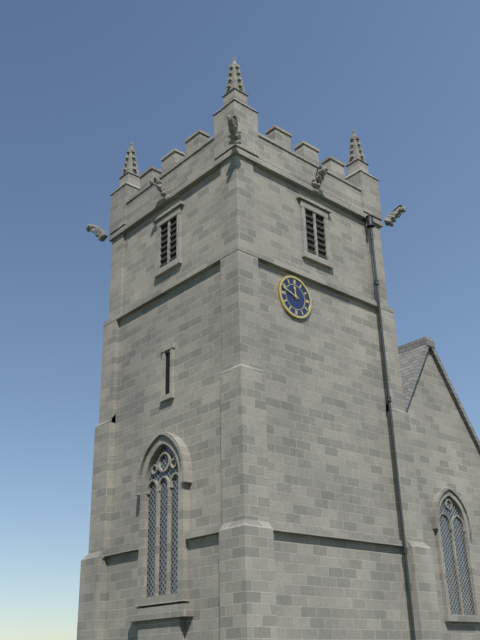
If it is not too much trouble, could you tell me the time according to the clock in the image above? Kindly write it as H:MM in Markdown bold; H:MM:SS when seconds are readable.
**11:48**
